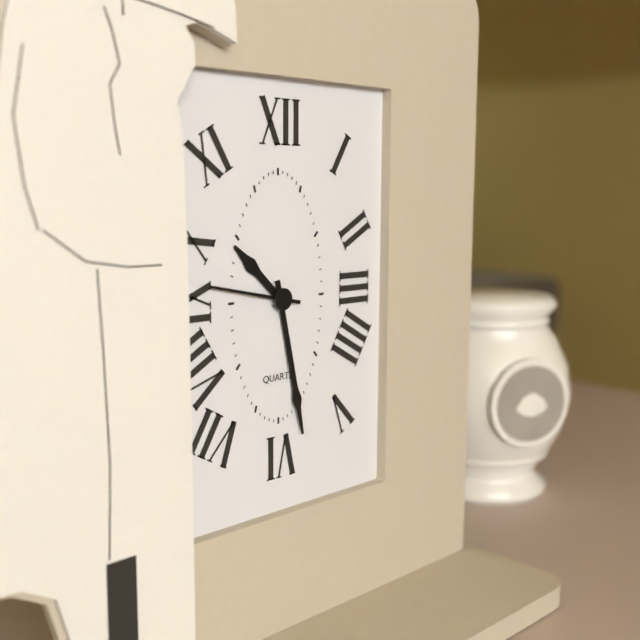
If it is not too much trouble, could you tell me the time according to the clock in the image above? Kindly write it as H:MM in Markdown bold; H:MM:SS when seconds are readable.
**10:28:47**
